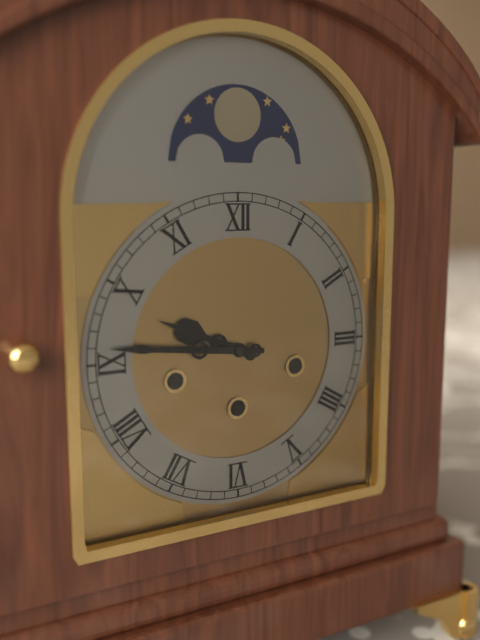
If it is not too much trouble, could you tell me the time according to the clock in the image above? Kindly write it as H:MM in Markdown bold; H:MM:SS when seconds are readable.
**9:46**
